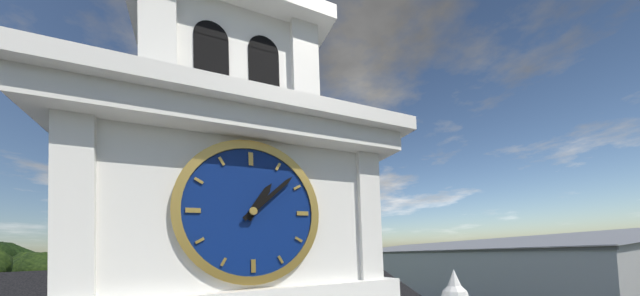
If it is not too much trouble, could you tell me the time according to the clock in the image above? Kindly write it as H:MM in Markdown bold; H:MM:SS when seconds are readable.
**1:08**
